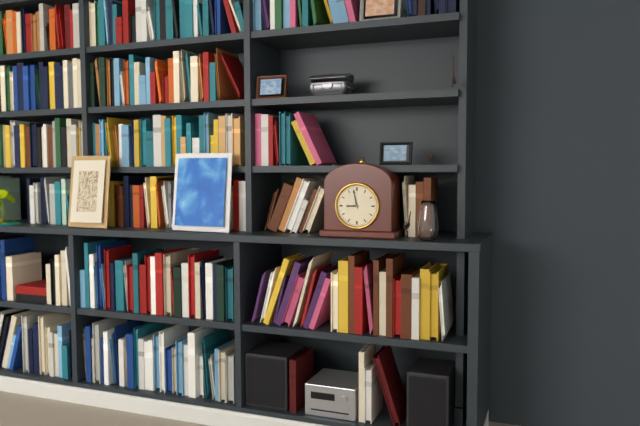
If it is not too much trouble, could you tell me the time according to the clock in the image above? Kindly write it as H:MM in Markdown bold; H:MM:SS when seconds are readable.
**8:58**
